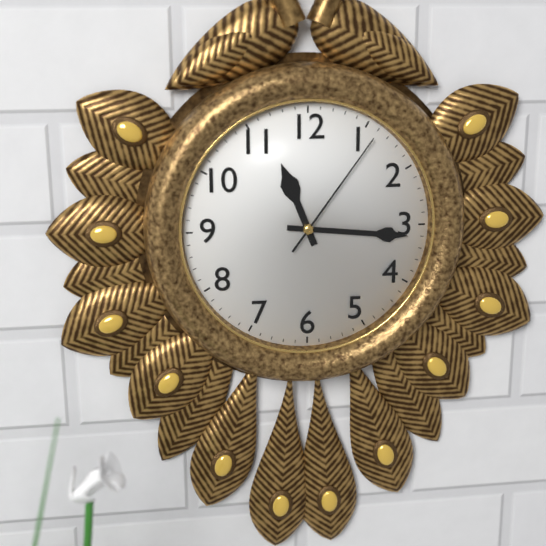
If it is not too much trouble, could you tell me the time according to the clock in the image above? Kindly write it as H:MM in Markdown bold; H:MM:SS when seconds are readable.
**11:16:06**
